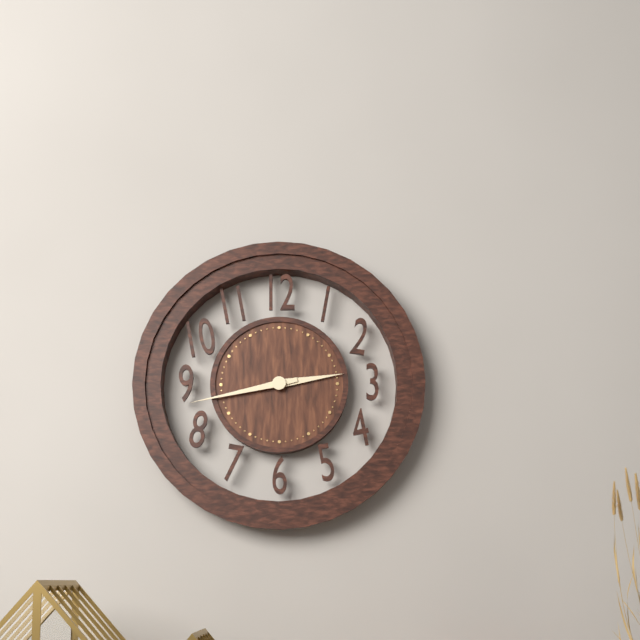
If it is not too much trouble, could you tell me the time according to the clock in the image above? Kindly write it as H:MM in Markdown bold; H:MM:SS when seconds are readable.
**2:43**
